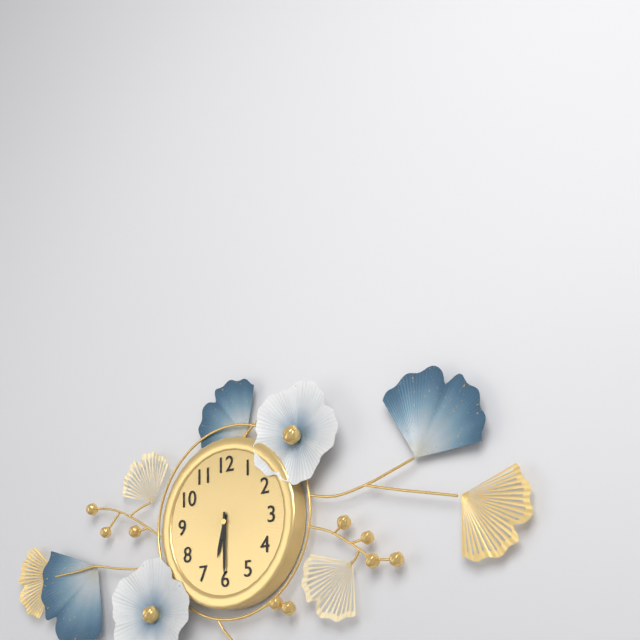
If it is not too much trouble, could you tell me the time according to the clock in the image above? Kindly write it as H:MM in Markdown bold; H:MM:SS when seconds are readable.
**6:30**
